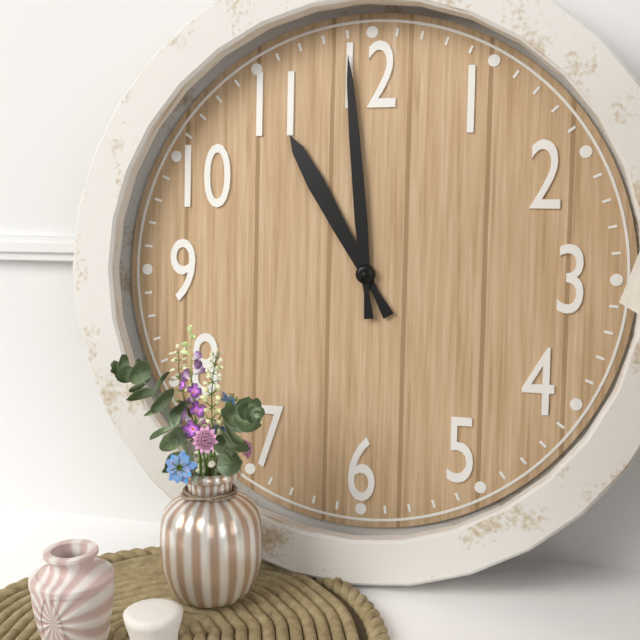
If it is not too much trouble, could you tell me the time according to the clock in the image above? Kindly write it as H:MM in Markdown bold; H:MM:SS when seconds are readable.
**10:59**
